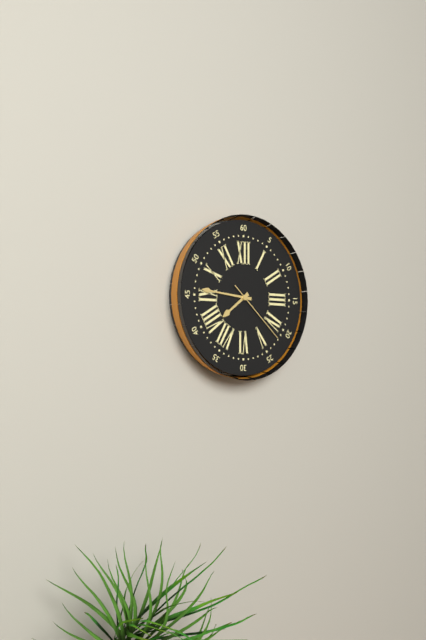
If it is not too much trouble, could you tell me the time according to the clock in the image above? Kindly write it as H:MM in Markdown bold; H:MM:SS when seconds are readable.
**7:46:22**
